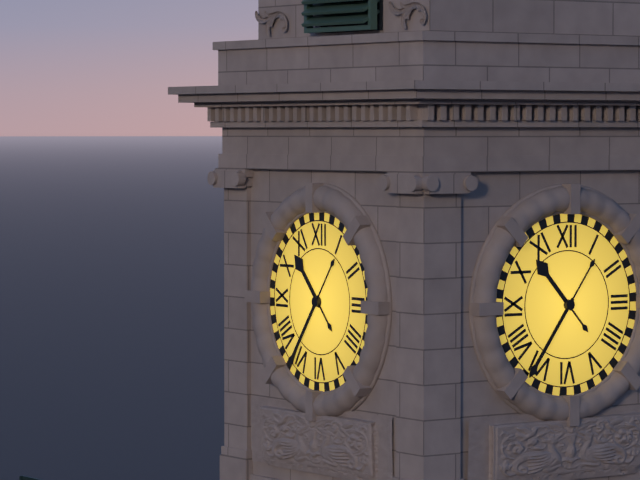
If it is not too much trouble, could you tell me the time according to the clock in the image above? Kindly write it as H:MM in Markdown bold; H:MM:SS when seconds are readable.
**10:36**
